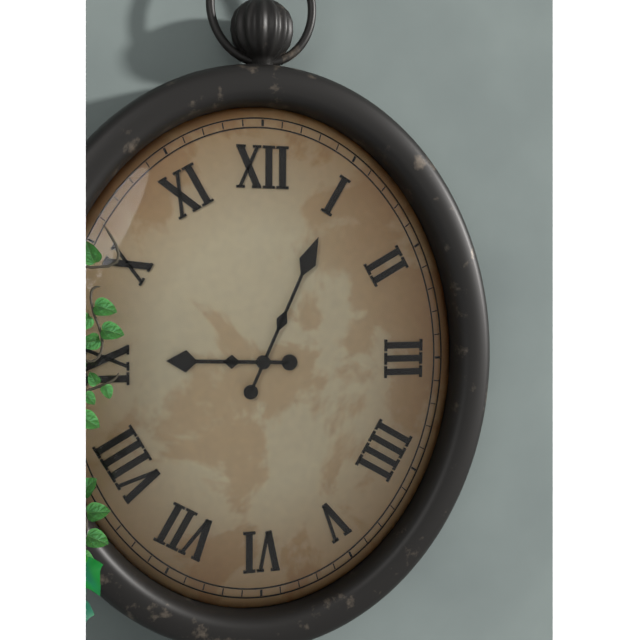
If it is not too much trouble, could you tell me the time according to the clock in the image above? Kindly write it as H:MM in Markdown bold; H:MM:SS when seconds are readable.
**9:04**
